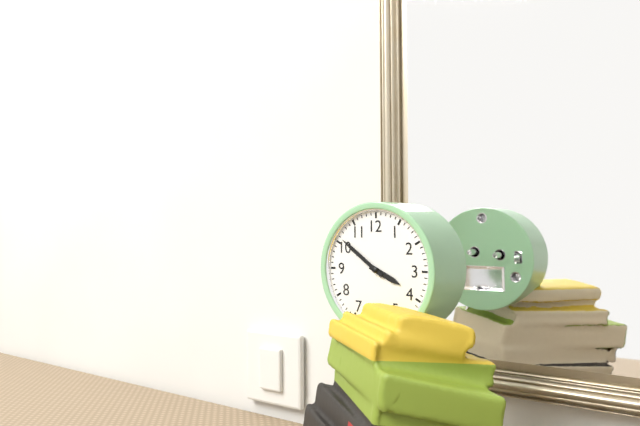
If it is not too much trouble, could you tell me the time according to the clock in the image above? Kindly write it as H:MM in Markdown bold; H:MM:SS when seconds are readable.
**3:51**
